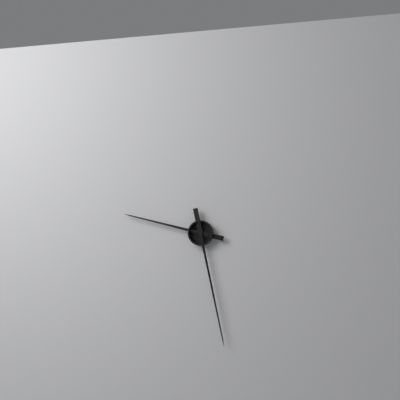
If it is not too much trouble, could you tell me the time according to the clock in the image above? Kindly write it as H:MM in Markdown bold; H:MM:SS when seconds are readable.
**9:28**
